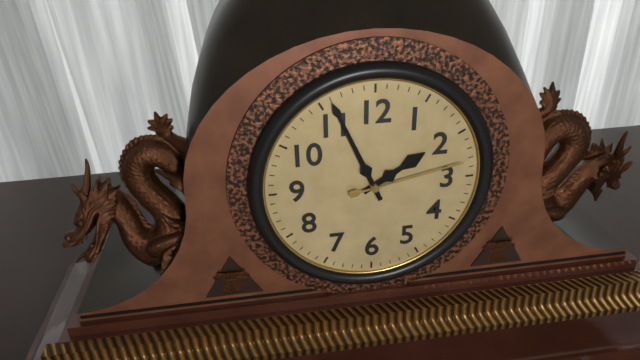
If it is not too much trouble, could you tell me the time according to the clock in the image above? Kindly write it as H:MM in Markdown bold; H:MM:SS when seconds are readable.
**1:56:13**
